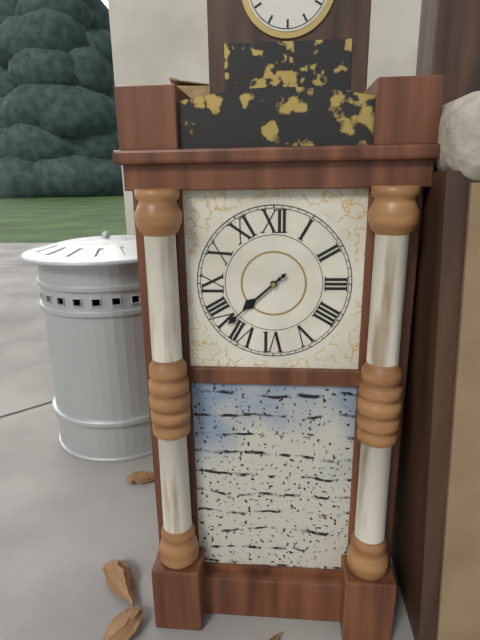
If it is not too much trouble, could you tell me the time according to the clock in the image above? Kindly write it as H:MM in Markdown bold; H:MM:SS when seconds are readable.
**7:38**
